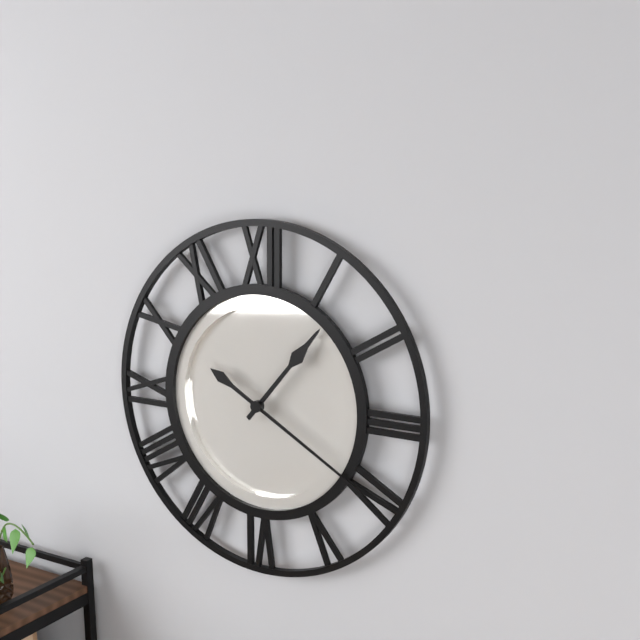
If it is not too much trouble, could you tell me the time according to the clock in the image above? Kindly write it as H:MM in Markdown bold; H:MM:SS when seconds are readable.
**1:20**
